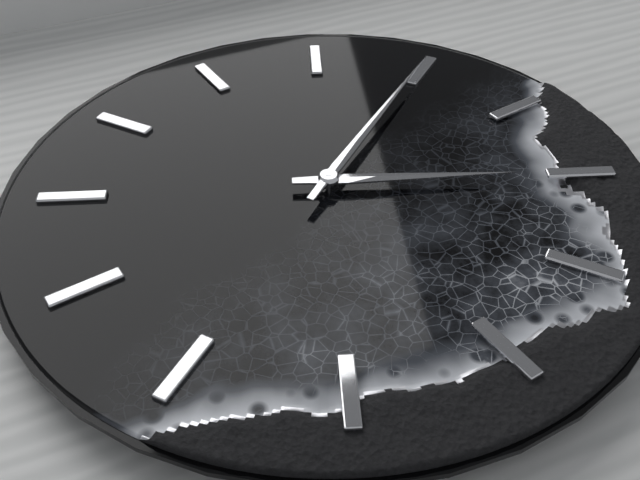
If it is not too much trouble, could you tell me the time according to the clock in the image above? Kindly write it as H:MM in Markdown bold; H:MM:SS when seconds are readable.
**2:00**
